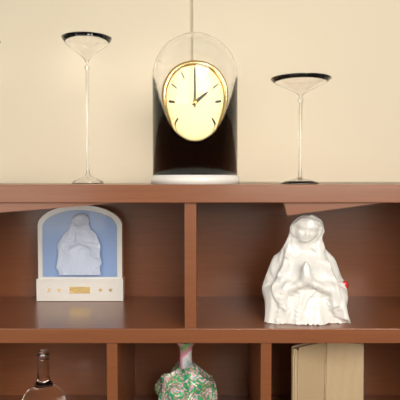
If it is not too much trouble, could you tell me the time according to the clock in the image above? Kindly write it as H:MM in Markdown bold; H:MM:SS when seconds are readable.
**2:00**
